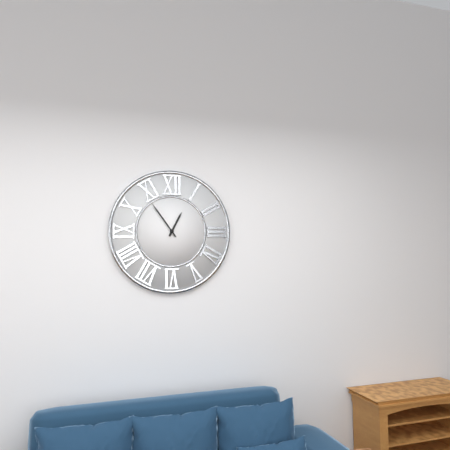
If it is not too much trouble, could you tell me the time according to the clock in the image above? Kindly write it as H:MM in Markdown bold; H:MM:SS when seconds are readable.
**12:54**
